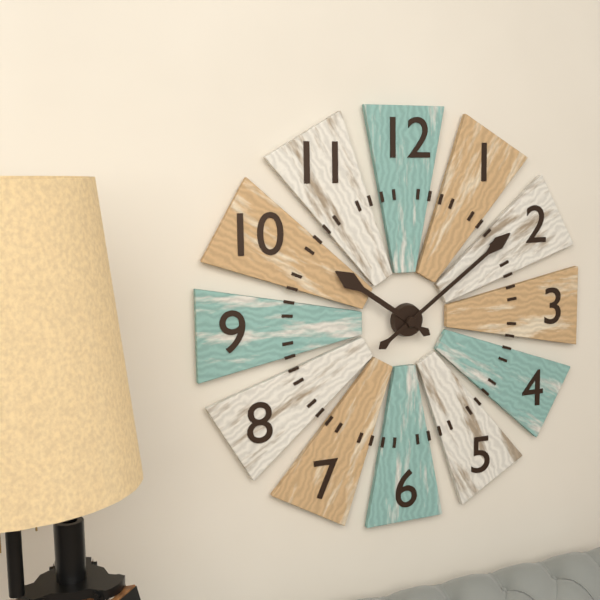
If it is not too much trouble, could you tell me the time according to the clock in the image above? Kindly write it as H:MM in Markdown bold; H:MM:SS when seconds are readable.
**10:09**
